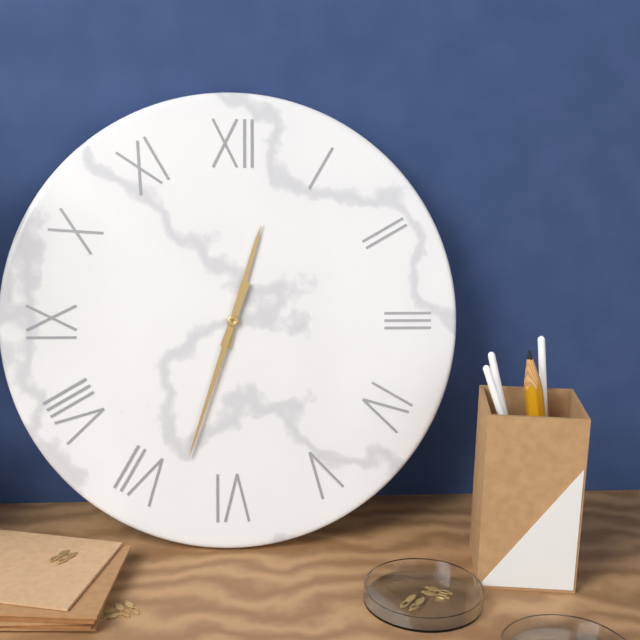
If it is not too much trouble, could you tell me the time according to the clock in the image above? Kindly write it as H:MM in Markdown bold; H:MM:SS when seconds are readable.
**12:33**
